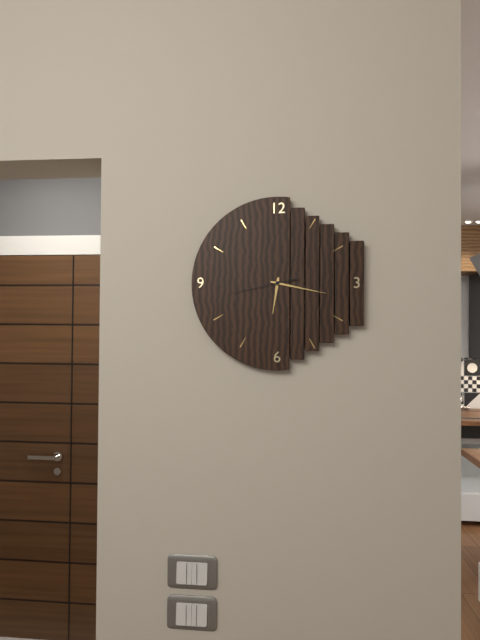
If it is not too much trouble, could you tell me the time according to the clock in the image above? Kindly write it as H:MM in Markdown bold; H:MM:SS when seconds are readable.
**6:17:43**
